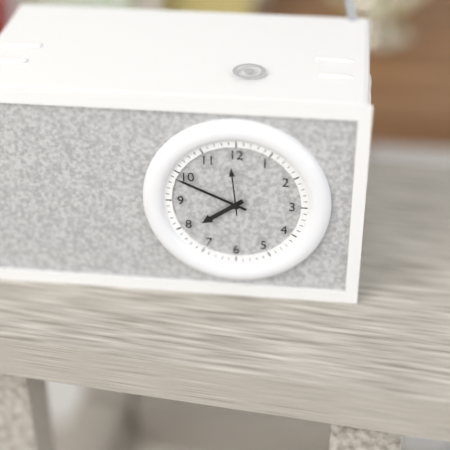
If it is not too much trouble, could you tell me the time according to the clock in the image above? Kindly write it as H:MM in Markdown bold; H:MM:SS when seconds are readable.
**7:49**
